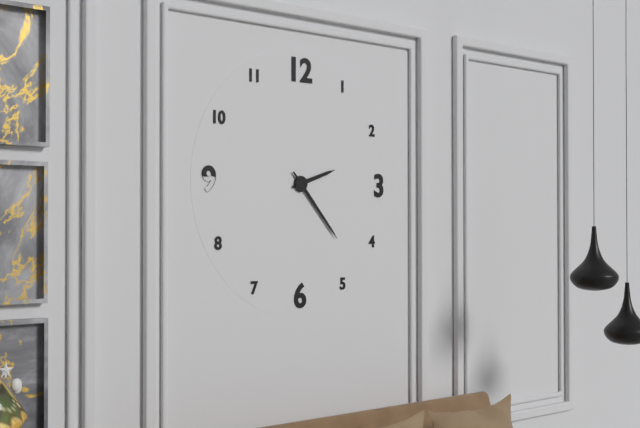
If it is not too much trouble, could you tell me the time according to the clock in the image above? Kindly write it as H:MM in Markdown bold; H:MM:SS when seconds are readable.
**2:23**
